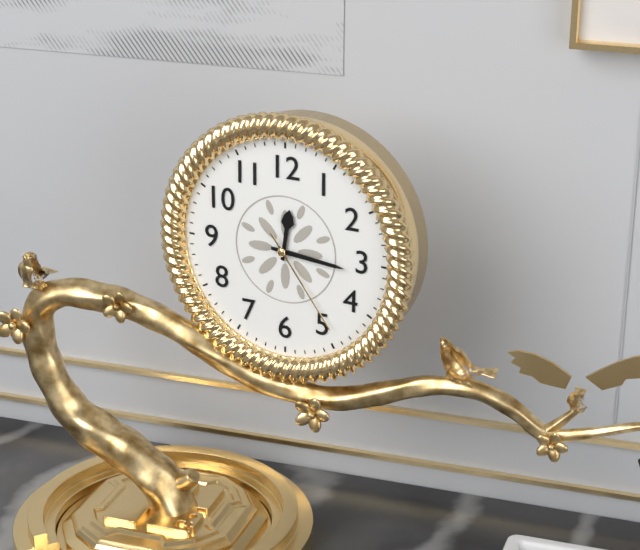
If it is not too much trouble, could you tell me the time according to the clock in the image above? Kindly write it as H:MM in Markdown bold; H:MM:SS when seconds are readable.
**12:16:24**
